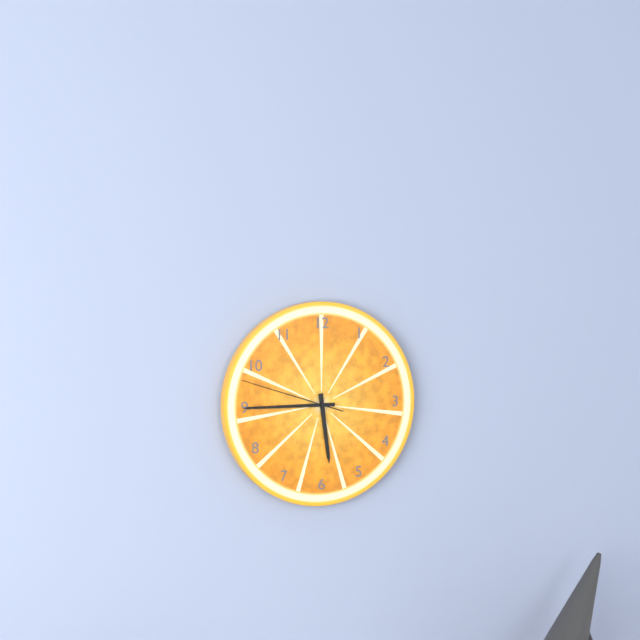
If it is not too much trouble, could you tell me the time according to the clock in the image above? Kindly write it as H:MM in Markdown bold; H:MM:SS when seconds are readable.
**5:45:48**
